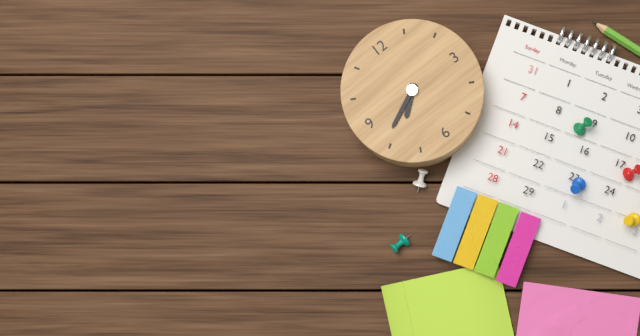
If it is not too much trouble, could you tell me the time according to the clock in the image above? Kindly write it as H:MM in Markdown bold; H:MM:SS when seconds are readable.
**7:41**
